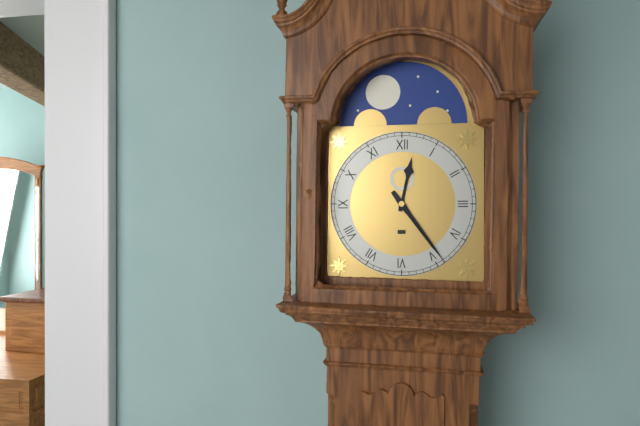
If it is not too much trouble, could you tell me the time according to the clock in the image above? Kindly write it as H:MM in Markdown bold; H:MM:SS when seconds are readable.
**12:24**
